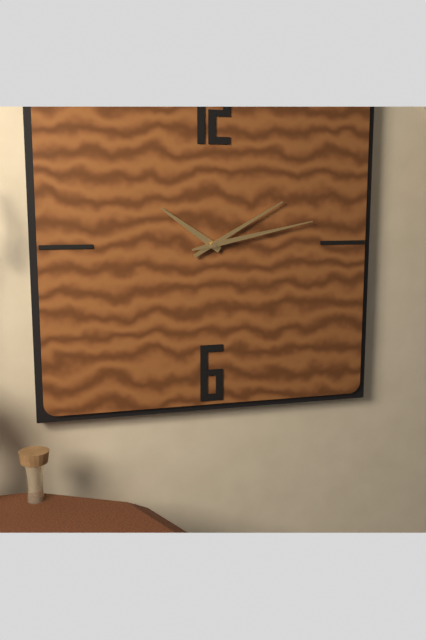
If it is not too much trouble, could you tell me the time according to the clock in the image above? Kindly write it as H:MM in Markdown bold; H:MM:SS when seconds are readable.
**10:10:13**
